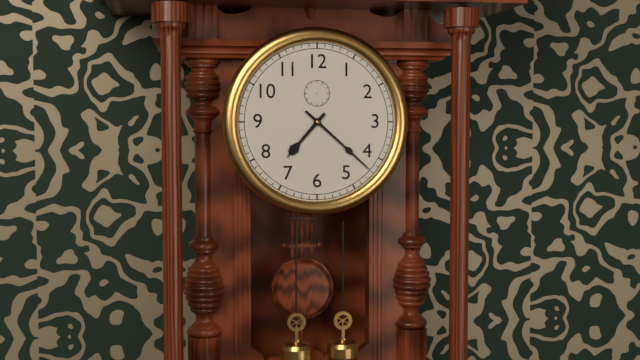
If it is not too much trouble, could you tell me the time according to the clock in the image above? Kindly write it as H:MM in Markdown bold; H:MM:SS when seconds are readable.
**7:22**
